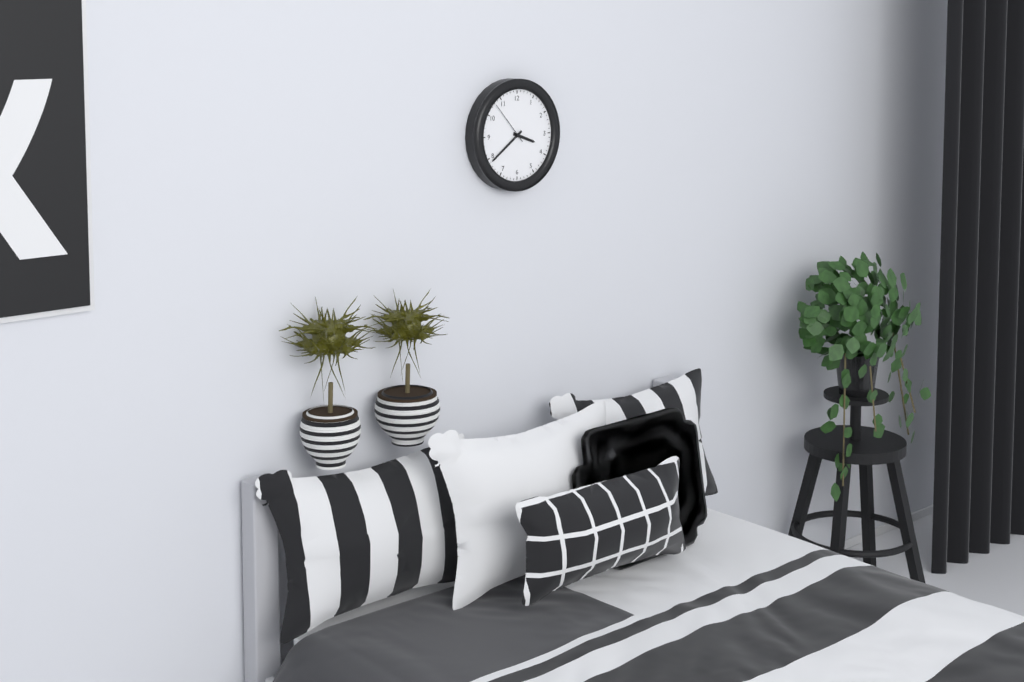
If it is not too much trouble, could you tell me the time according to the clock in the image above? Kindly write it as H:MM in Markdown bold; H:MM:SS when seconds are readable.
**3:39**
